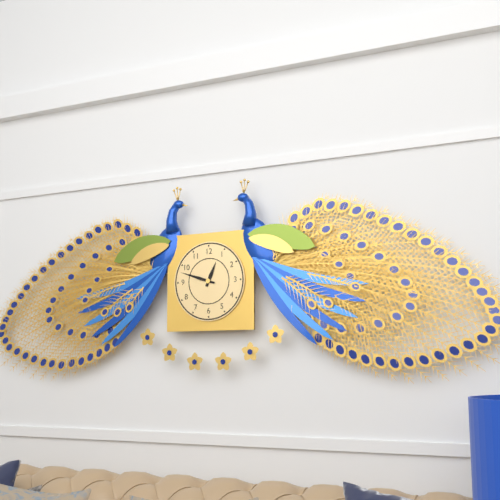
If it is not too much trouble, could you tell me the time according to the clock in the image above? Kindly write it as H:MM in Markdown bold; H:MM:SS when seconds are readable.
**12:48**
